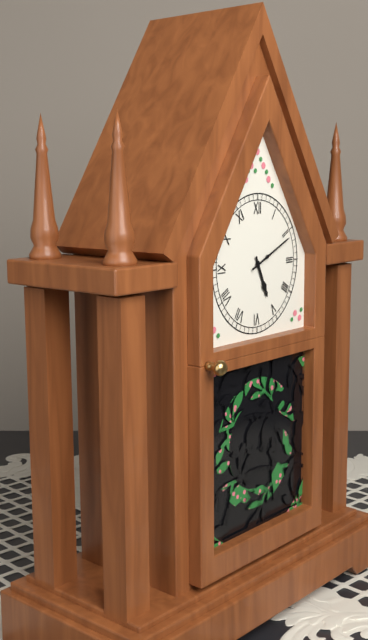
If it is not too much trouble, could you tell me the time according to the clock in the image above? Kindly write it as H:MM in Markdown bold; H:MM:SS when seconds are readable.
**5:11**
